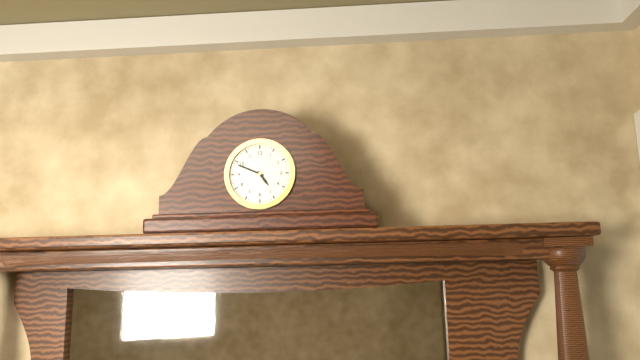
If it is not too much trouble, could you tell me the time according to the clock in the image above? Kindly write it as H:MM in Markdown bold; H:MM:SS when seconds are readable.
**4:49**
